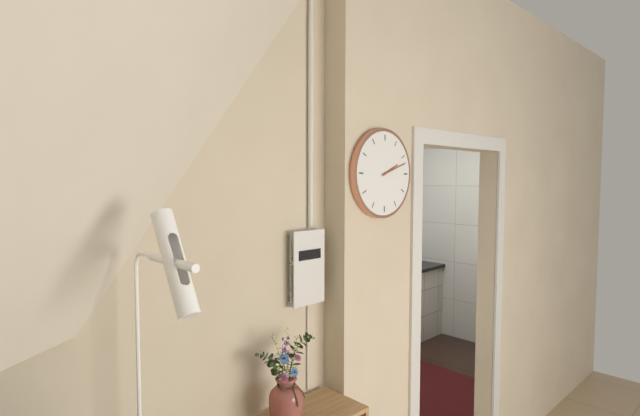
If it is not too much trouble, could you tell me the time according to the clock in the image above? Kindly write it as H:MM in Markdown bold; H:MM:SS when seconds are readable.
**2:12**
